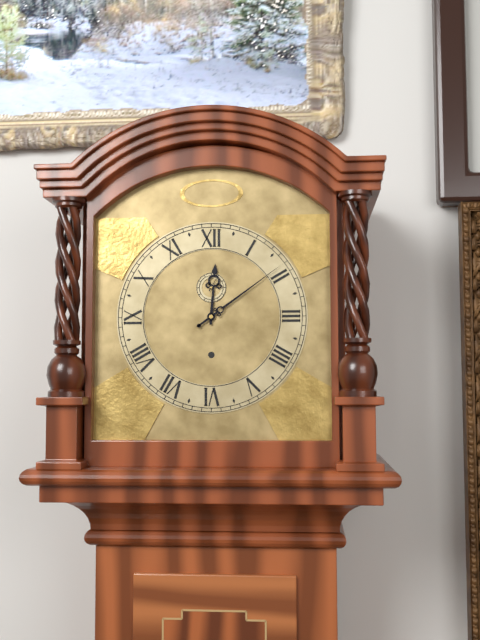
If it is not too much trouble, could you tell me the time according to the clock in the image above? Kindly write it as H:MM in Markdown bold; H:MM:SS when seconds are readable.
**12:09**
